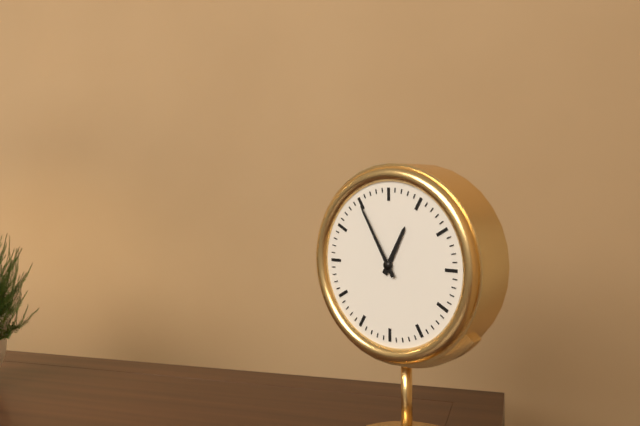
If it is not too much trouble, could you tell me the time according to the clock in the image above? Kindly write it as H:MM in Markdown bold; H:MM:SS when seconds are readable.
**12:55**
